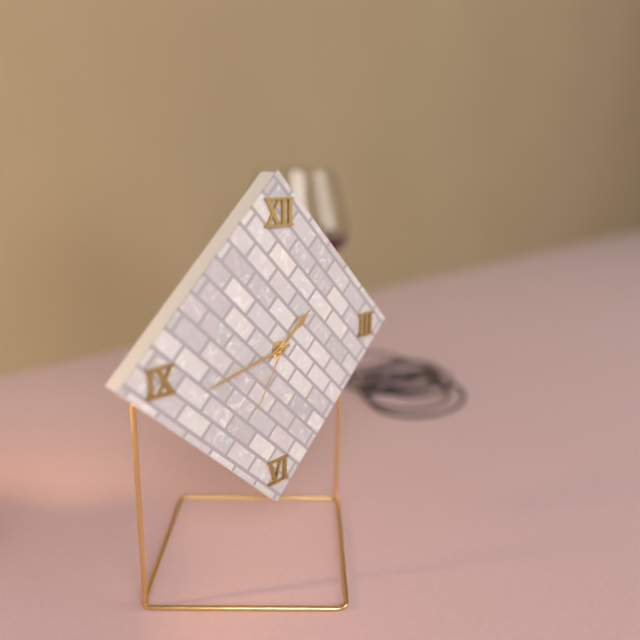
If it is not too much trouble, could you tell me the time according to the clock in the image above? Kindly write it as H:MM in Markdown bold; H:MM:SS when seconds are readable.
**1:43:35**
